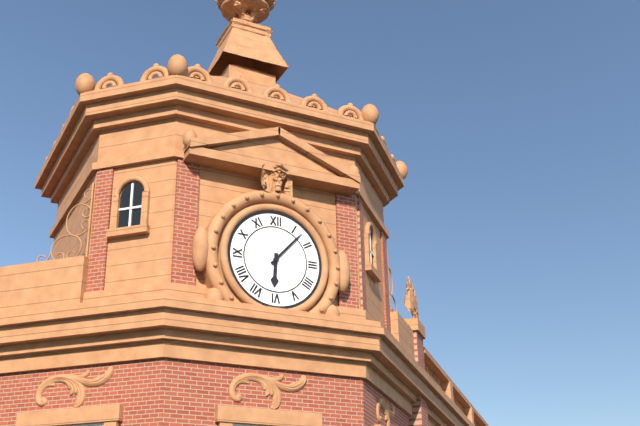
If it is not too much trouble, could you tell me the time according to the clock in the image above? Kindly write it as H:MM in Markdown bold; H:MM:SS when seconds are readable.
**6:07**
